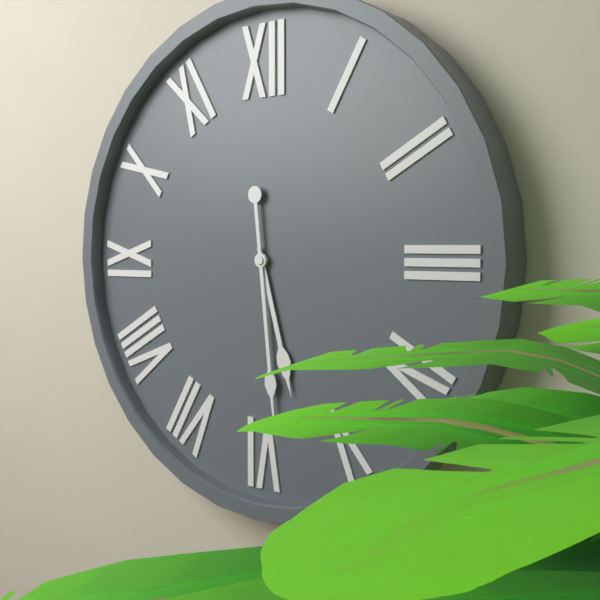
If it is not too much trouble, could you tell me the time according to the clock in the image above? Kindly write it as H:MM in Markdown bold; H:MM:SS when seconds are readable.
**5:29**
